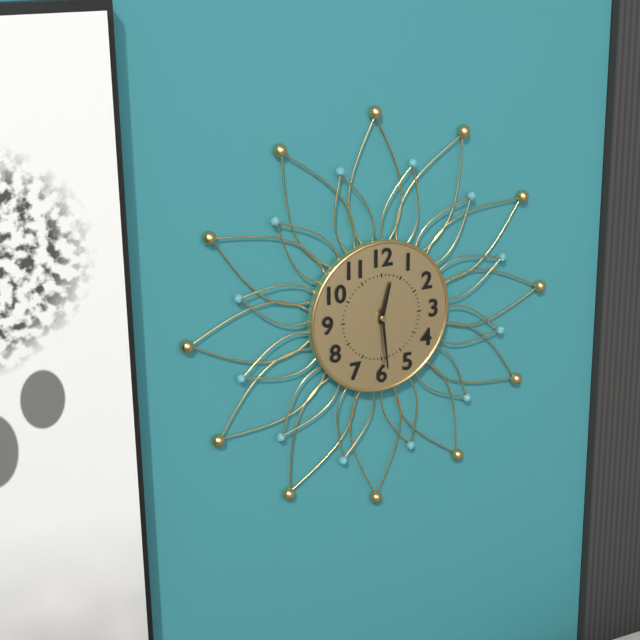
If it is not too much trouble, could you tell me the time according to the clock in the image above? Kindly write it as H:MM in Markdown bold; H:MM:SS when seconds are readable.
**12:29**
